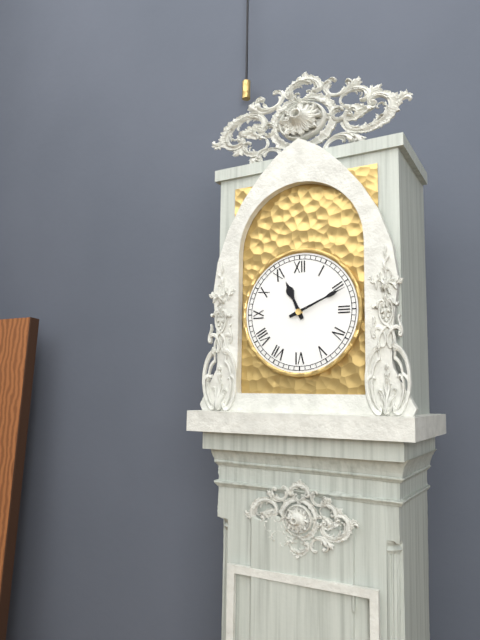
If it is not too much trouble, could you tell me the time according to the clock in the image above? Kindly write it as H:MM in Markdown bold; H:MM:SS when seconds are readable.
**11:11**
